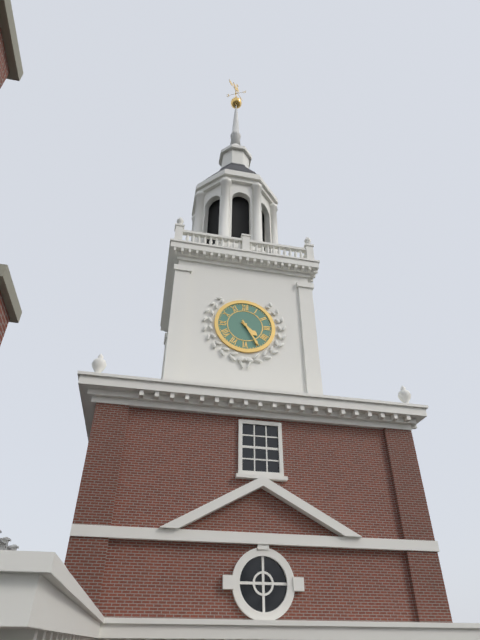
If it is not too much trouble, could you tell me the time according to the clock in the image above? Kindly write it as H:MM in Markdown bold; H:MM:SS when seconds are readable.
**4:25**
